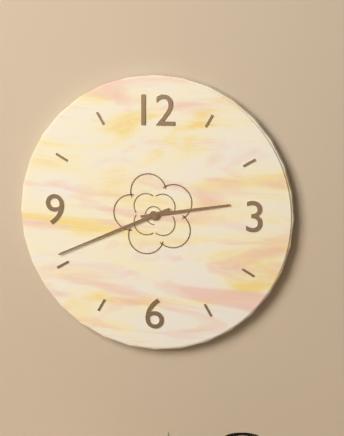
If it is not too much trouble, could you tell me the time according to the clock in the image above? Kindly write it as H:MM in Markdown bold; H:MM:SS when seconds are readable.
**2:41**
